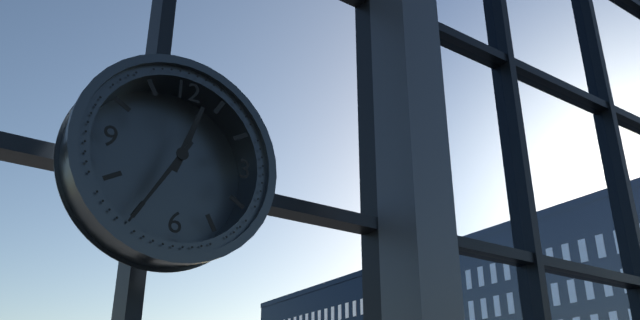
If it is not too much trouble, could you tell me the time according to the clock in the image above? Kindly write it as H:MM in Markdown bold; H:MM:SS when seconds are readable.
**12:35**
